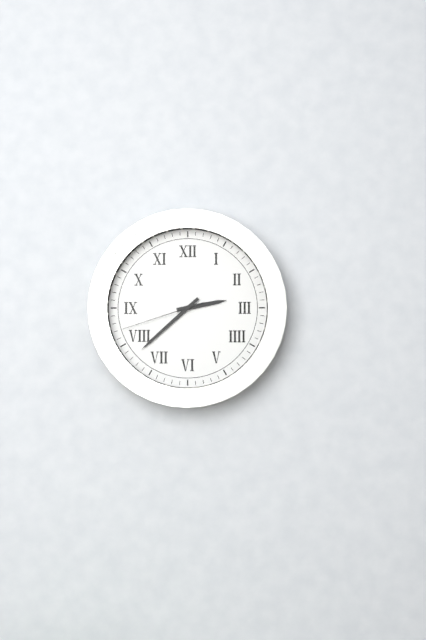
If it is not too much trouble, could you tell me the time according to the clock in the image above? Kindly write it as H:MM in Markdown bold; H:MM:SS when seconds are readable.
**2:38:42**
